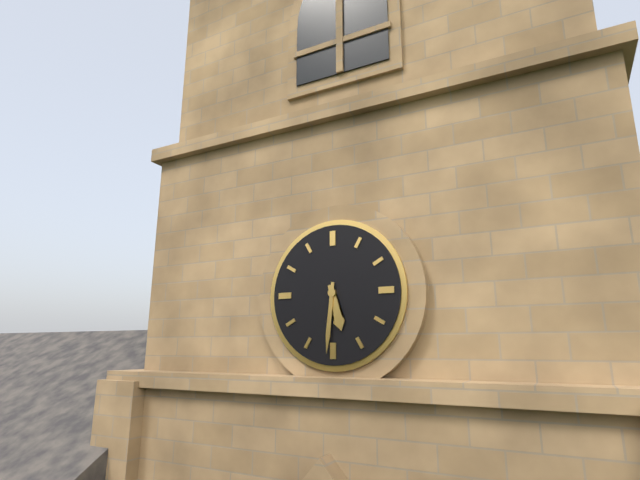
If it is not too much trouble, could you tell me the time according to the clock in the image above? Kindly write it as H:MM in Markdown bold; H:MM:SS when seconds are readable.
**5:31**
